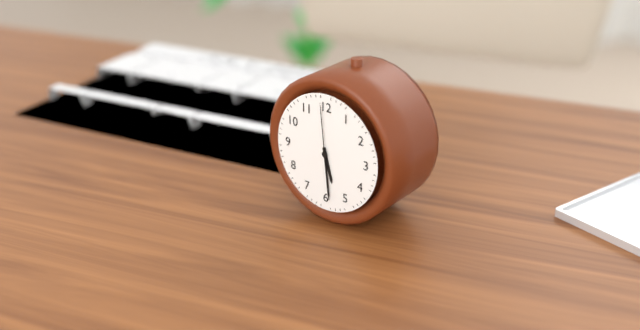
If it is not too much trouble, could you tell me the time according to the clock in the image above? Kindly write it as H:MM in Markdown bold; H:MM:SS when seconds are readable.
**5:29:59**
